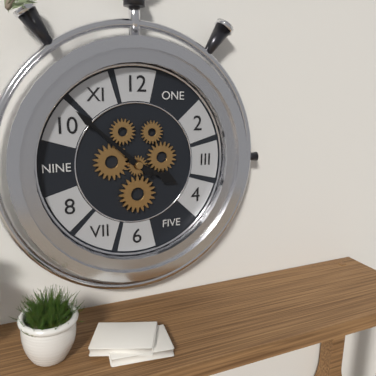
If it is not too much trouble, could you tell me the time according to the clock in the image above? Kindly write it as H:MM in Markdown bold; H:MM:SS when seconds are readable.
**3:52**
